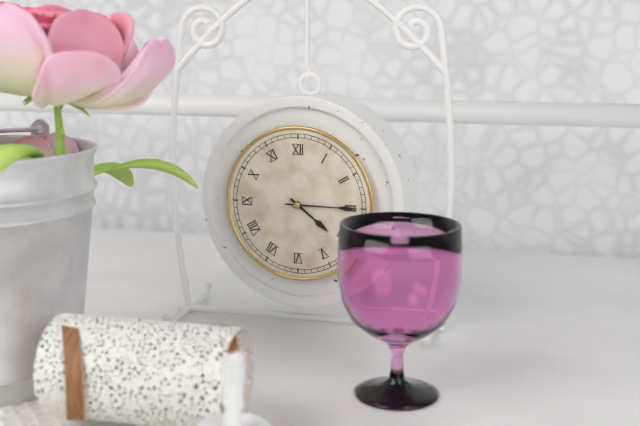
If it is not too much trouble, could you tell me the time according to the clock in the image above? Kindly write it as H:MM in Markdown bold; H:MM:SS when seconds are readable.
**4:15**
